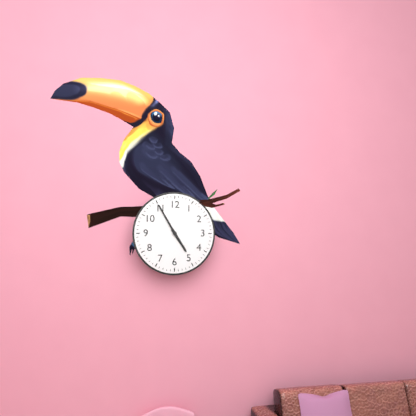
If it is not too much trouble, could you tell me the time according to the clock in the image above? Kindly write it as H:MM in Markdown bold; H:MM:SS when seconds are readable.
**4:55**
